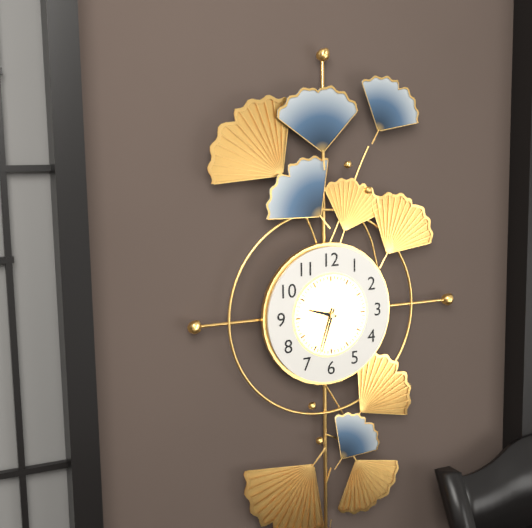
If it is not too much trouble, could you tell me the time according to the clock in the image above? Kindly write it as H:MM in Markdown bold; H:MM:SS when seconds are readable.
**9:33**
